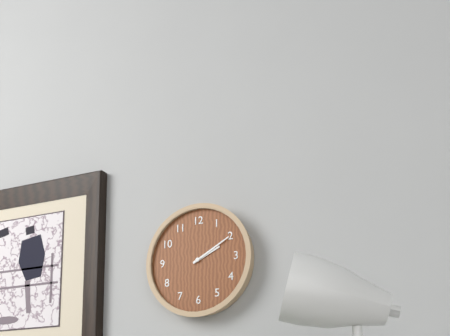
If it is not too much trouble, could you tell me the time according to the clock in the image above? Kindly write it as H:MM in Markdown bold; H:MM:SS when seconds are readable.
**2:10**
